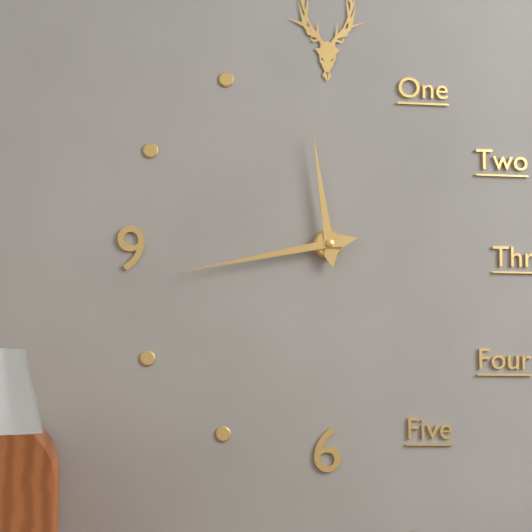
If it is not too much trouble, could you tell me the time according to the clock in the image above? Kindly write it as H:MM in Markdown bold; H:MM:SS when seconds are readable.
**11:43**
